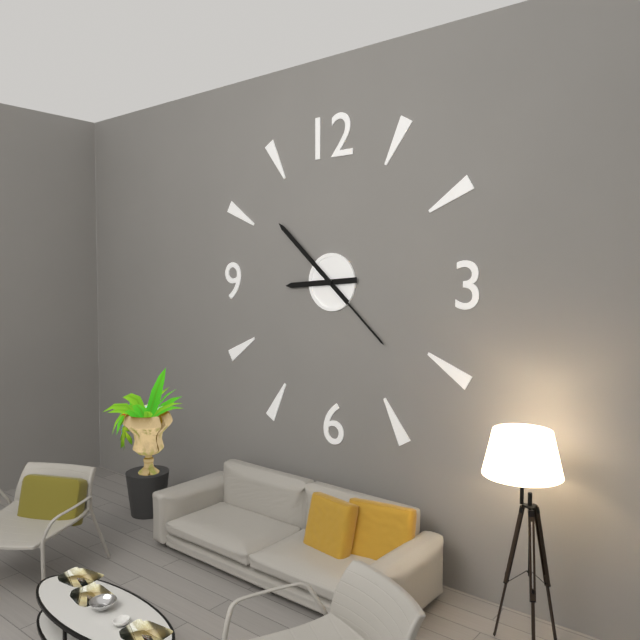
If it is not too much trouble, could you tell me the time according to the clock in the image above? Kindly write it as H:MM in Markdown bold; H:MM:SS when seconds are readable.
**8:52:22**
